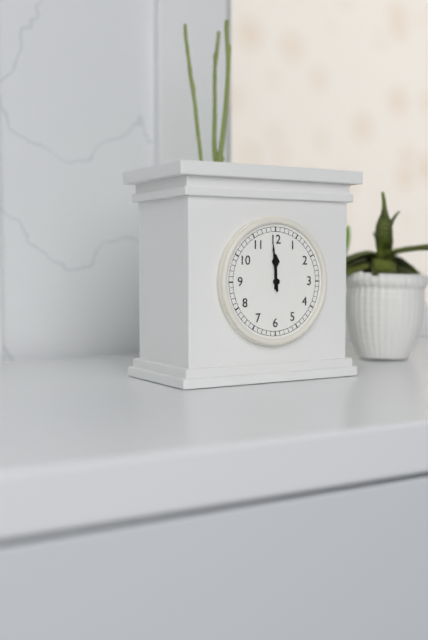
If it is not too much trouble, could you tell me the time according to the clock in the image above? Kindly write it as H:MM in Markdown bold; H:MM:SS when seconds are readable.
**11:59**
